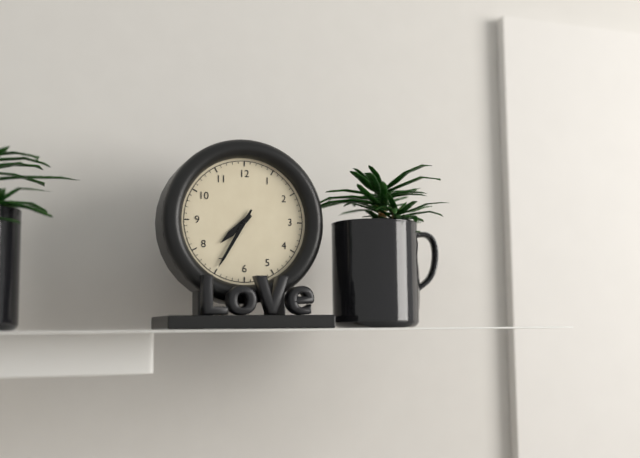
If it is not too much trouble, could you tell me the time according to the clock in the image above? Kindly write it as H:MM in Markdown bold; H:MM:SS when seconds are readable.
**7:35**
